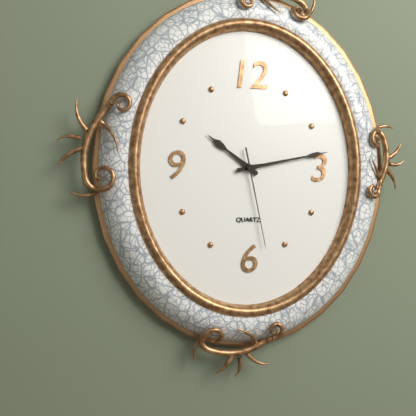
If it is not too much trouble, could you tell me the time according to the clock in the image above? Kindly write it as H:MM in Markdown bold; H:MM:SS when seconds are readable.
**10:13:28**
